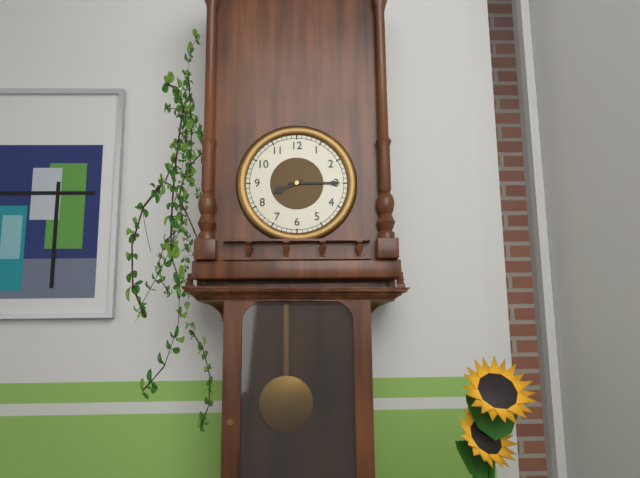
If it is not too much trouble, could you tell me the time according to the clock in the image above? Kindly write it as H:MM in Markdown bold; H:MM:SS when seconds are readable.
**8:15**
